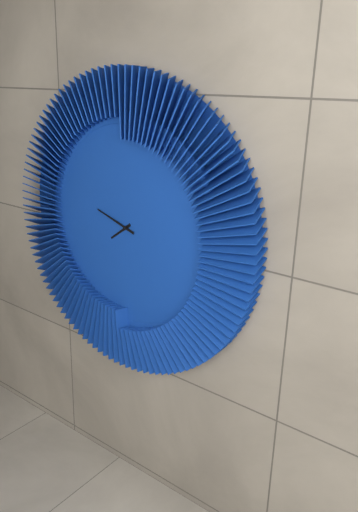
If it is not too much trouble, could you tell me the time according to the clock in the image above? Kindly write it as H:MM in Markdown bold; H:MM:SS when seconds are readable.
**7:48**
